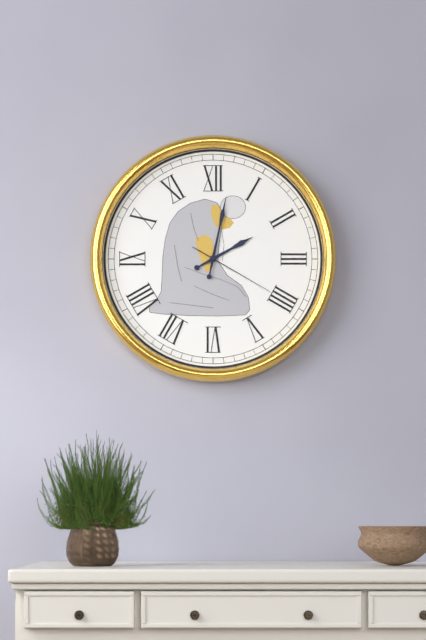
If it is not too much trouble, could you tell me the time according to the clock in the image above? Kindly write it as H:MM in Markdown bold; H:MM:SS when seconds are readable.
**2:02:20**
